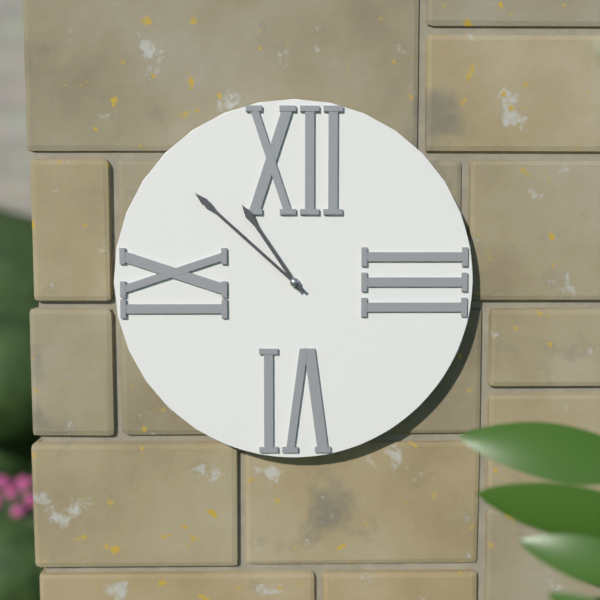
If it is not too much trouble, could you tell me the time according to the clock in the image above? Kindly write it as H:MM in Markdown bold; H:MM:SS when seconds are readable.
**10:52**
